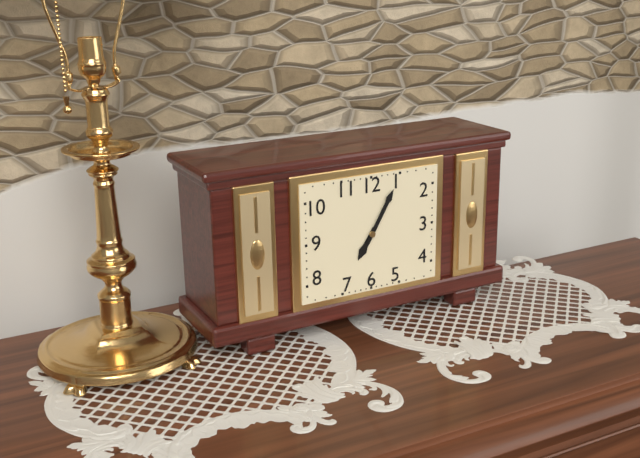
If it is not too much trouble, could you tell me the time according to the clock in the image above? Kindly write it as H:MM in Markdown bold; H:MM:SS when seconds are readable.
**7:05**
